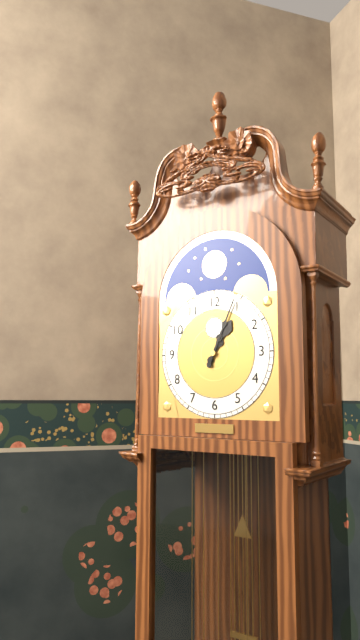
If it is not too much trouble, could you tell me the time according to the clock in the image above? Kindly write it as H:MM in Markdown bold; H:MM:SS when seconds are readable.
**1:04**
